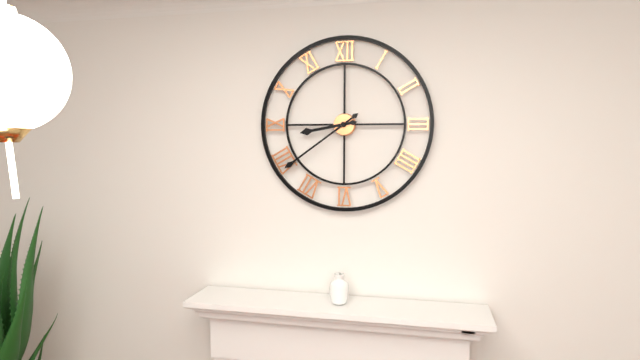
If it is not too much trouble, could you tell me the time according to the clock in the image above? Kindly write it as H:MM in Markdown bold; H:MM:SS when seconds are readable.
**8:39**
